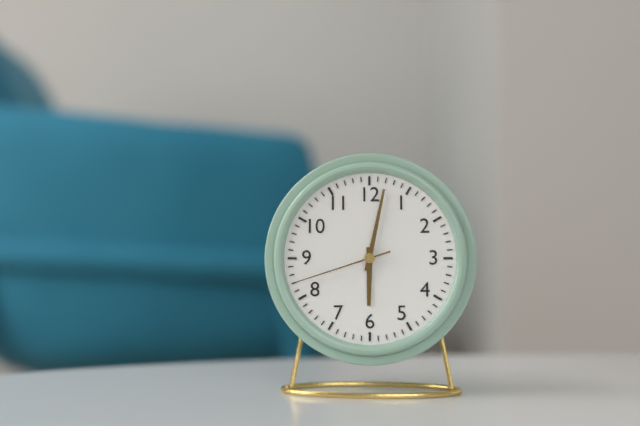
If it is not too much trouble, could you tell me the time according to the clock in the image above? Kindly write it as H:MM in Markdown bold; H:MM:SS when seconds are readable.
**6:02:42**
